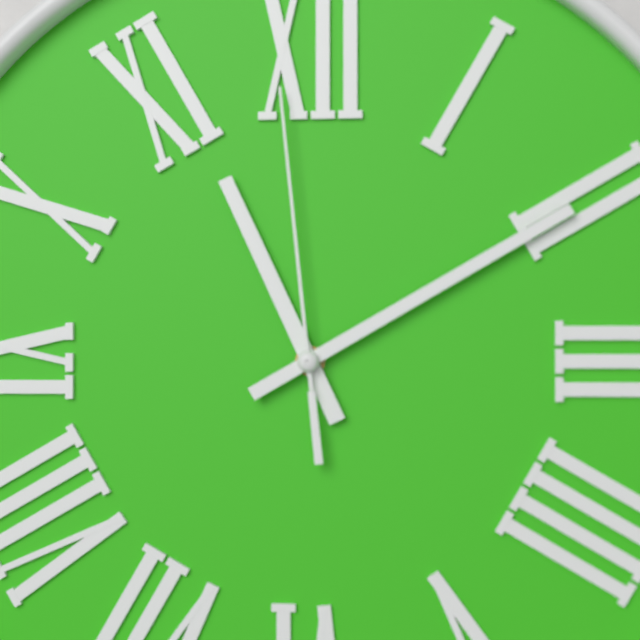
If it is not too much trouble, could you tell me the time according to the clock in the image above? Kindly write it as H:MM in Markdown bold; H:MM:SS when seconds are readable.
**11:10:59**
